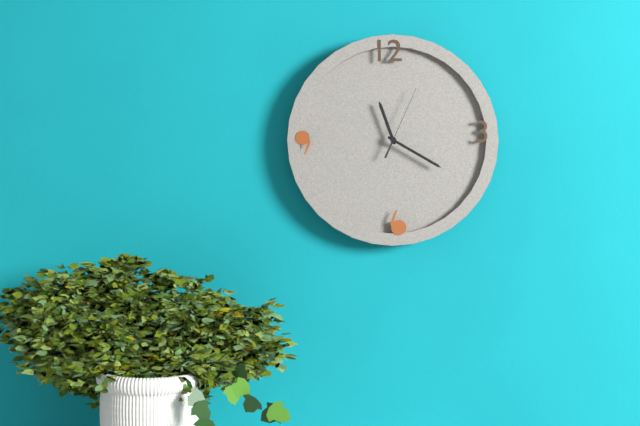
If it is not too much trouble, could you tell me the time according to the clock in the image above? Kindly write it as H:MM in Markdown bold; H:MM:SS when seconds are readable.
**11:20:04**
